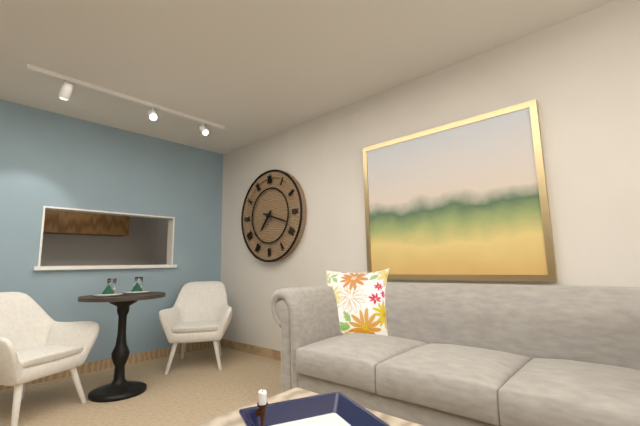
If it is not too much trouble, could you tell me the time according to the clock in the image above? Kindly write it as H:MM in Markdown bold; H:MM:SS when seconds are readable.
**7:18**
